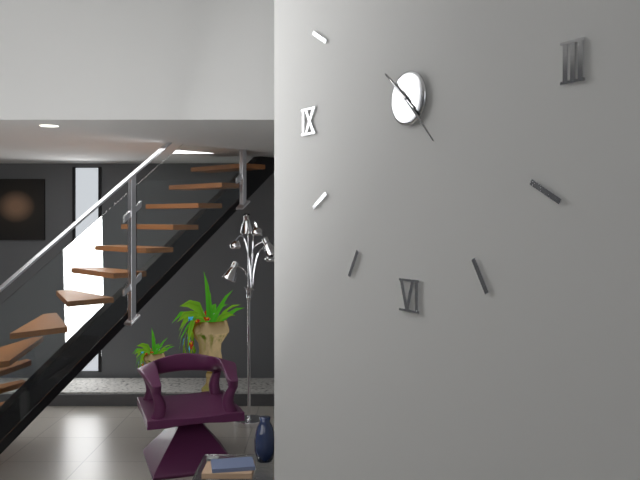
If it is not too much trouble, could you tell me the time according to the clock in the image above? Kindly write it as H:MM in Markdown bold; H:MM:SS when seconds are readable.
**10:23**
